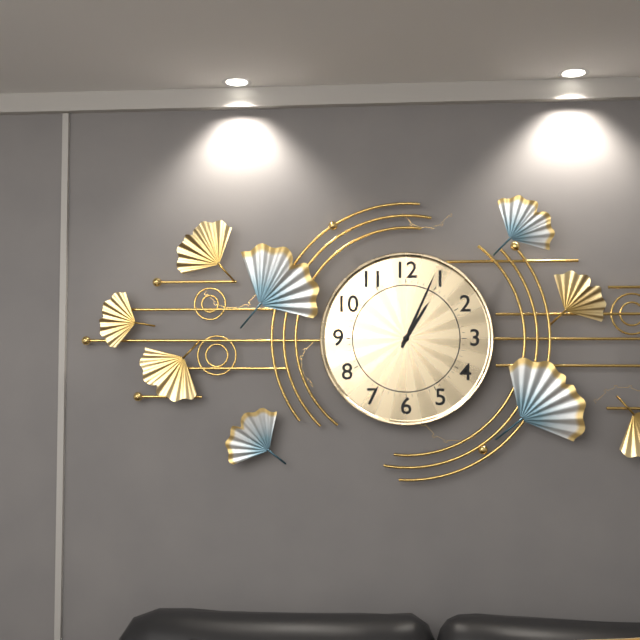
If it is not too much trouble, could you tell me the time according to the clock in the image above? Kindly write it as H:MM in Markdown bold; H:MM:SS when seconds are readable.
**1:04**
